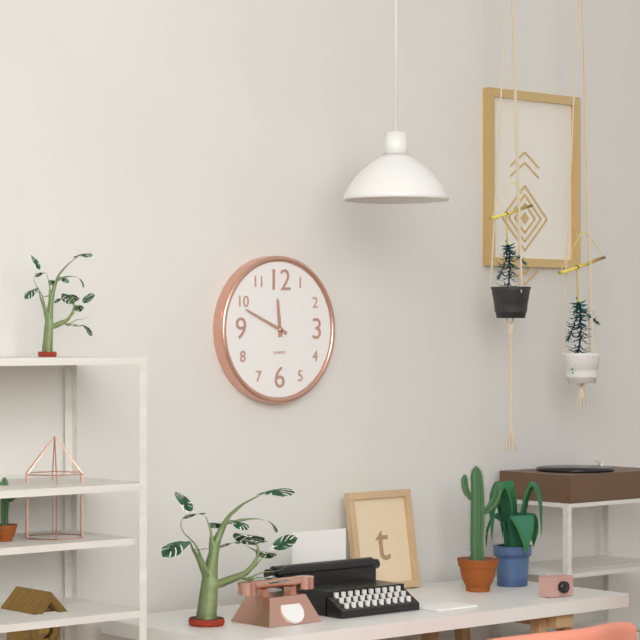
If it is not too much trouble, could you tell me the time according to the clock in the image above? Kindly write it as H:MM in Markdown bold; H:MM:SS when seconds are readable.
**11:49**
